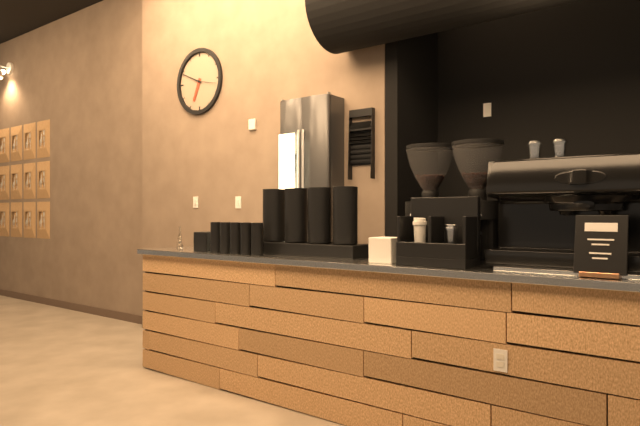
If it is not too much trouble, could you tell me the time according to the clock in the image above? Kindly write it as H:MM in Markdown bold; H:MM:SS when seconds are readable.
**6:49**
